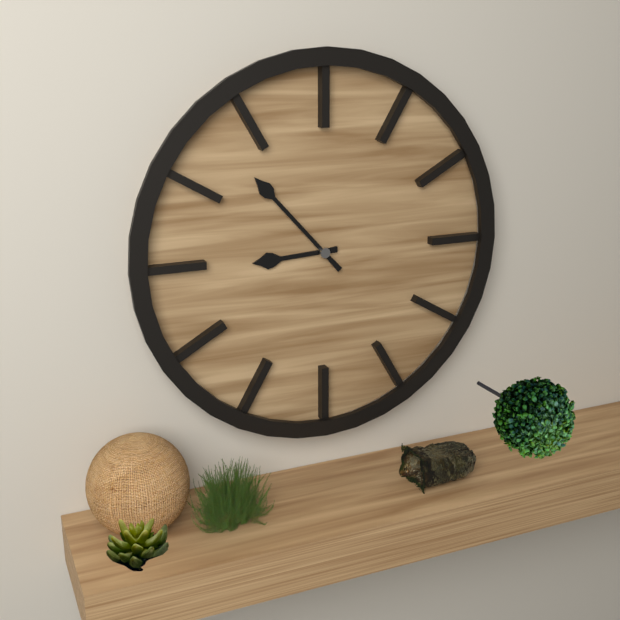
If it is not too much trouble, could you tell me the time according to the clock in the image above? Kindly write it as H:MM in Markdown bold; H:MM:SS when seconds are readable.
**8:53**
